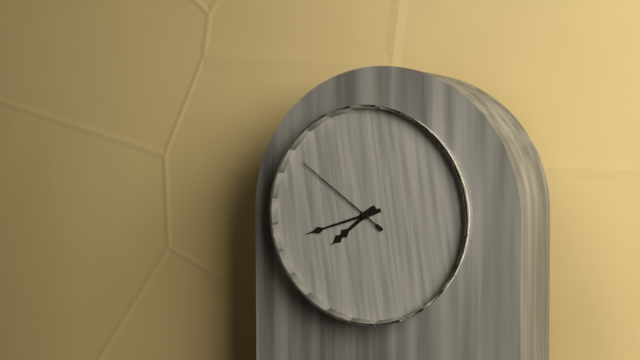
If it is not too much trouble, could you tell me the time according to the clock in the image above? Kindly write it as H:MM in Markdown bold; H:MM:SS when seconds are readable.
**7:42:51**
